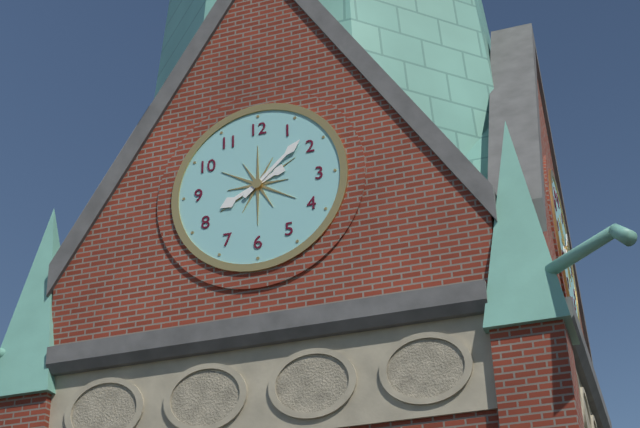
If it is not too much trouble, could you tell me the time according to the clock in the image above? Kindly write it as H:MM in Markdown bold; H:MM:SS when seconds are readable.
**8:08**
